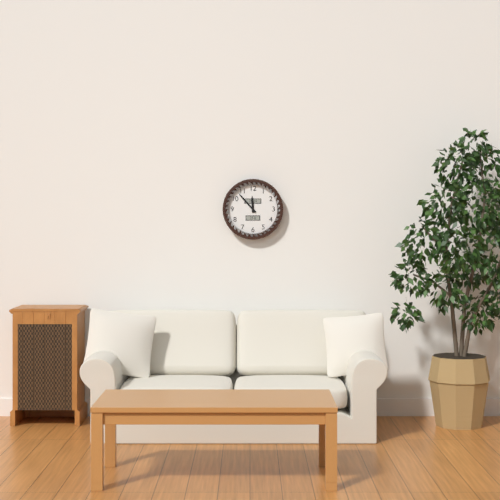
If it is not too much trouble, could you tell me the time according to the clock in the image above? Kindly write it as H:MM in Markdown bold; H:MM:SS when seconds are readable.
**11:53**
